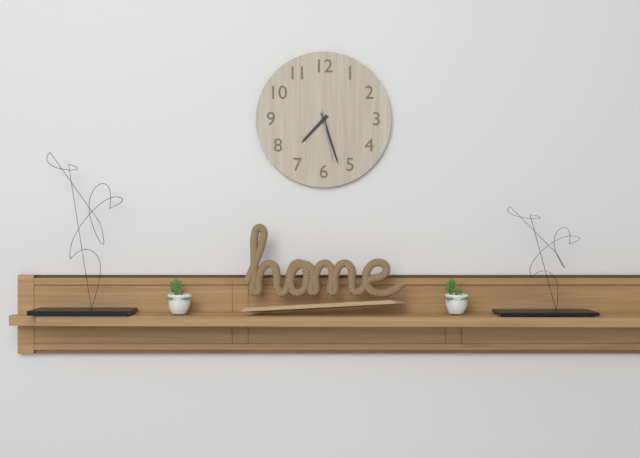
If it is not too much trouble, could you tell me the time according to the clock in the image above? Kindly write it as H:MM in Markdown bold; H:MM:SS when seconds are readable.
**7:27:28**
